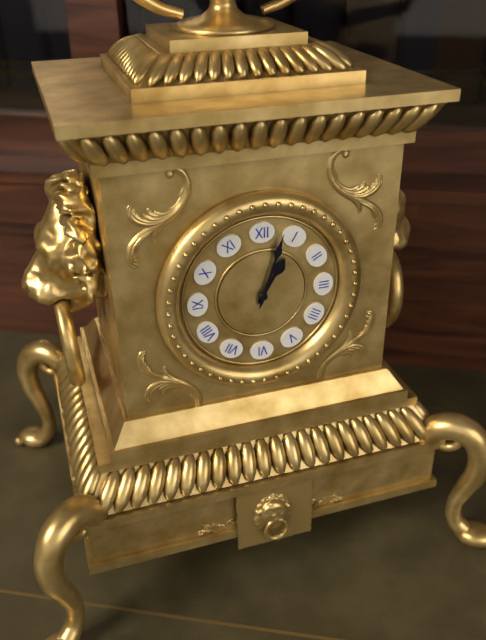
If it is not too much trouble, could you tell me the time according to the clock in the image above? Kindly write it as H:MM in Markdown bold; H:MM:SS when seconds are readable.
**1:03**
